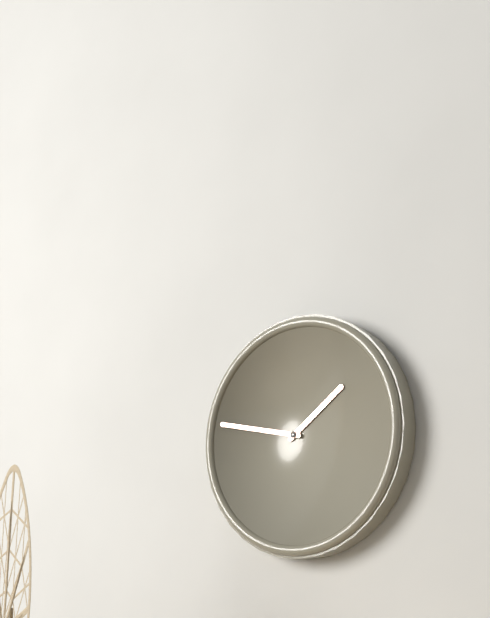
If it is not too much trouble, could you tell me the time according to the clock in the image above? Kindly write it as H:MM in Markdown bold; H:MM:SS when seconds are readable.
**1:47**
